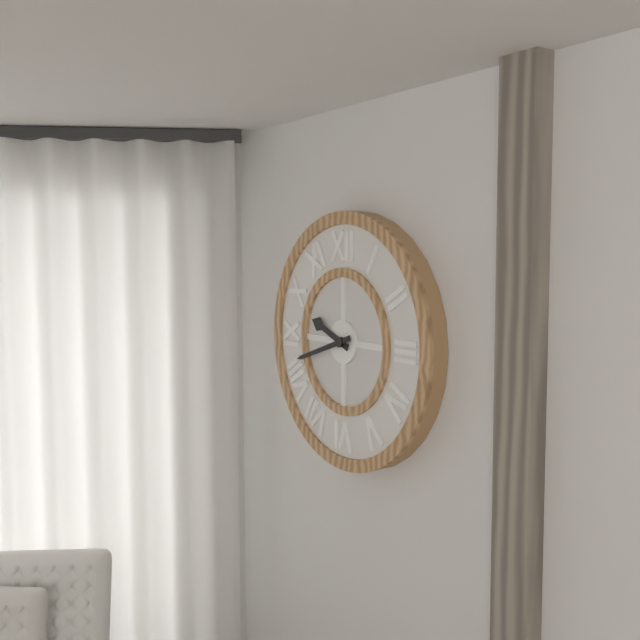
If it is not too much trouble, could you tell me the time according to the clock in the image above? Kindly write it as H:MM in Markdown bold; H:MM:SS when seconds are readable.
**9:42**
